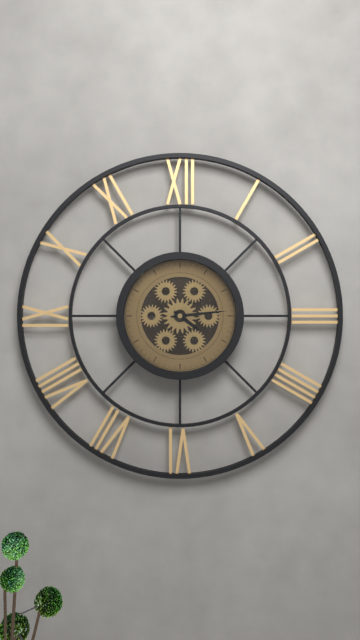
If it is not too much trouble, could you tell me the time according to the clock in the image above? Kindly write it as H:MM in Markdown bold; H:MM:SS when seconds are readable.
**4:14**
